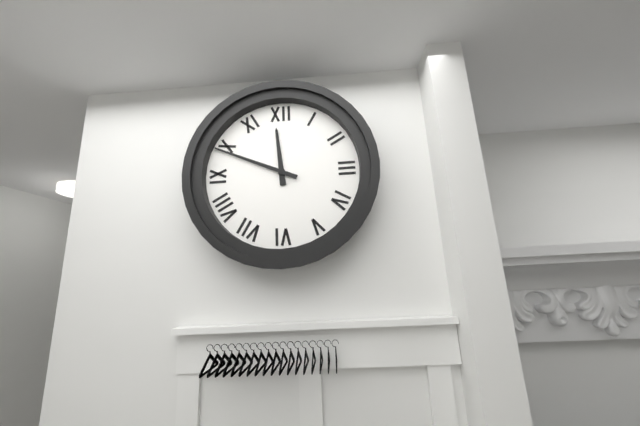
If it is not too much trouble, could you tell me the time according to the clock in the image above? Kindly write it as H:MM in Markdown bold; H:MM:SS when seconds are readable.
**11:49**
